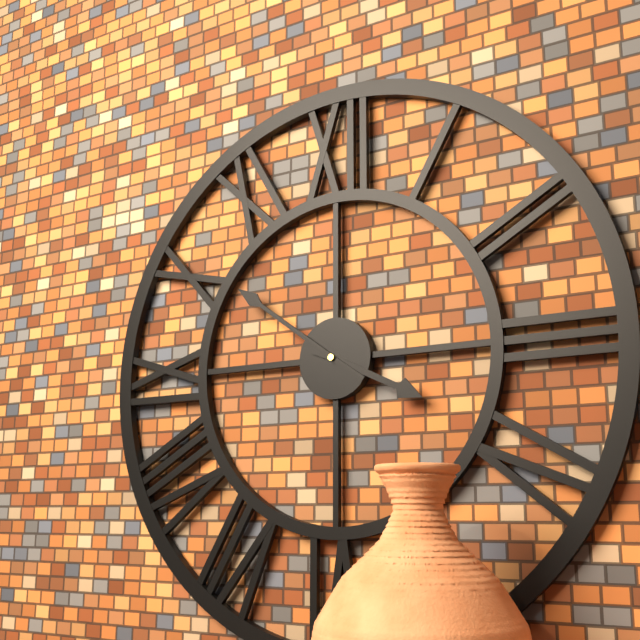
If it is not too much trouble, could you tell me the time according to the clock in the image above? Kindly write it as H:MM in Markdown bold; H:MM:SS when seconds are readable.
**3:51**
